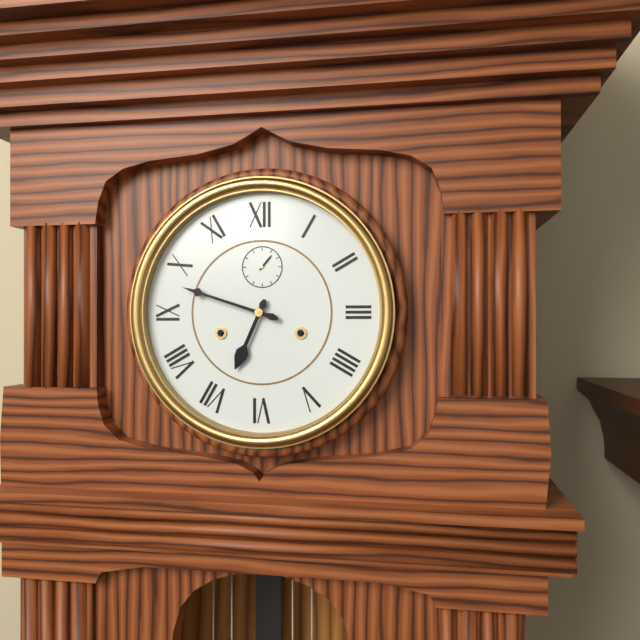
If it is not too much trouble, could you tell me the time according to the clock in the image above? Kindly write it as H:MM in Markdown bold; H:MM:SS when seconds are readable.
**6:48**
